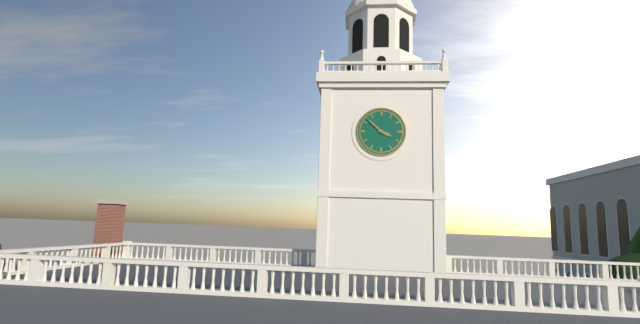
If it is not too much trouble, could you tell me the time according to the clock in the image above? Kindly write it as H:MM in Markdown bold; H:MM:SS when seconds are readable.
**3:52**
